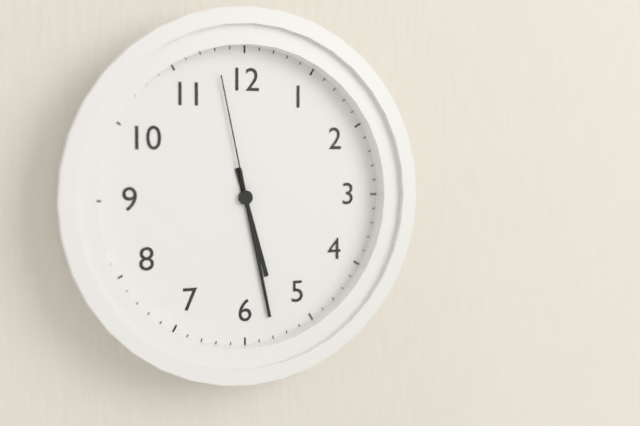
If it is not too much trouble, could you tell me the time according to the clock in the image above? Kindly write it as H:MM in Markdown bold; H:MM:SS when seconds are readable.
**5:28:58**
